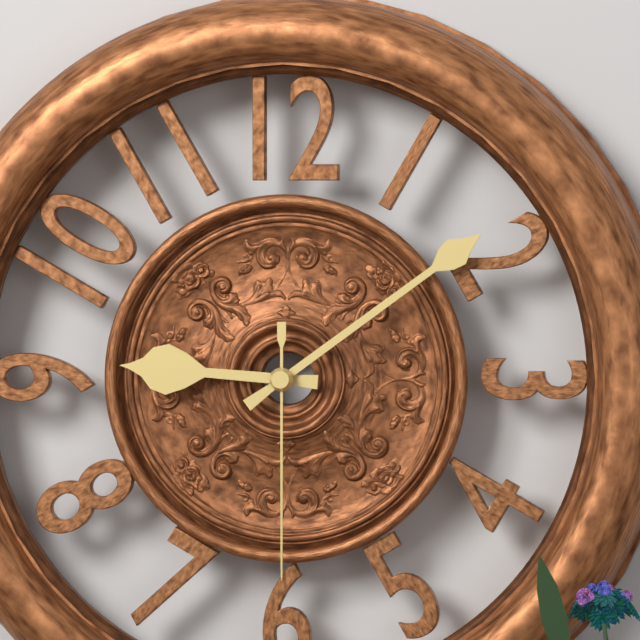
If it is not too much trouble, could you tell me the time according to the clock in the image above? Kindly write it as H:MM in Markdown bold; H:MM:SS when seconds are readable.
**9:09:30**
